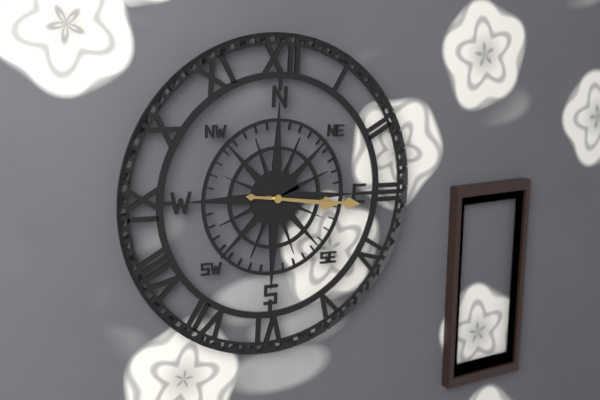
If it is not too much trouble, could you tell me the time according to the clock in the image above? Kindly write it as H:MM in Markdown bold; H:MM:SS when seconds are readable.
**3:16**
